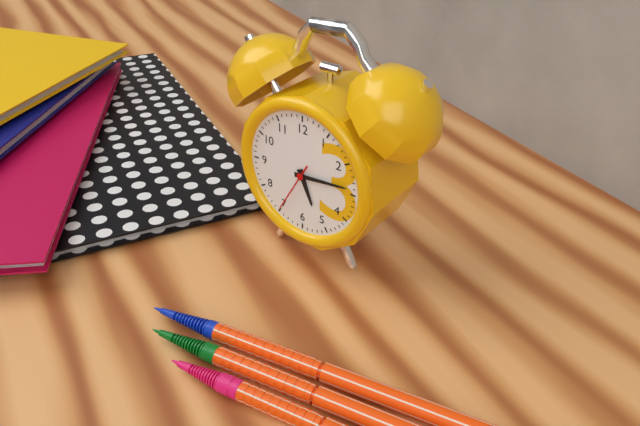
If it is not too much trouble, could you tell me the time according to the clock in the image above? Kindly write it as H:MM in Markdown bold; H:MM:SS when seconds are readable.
**5:14:35**
